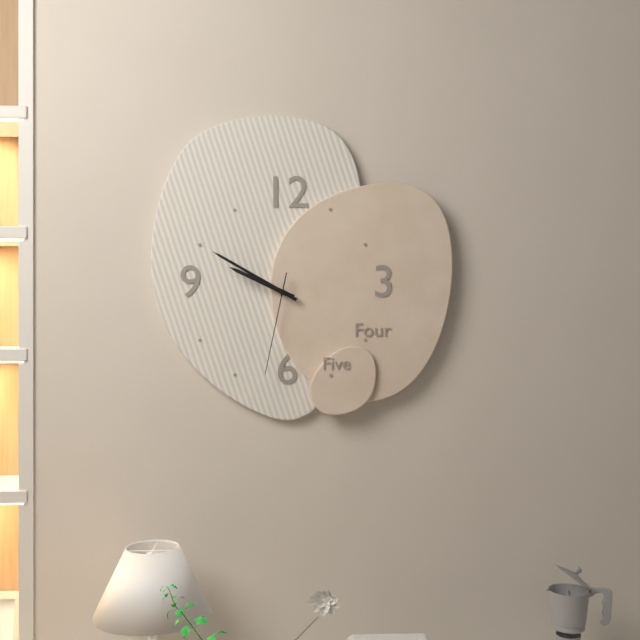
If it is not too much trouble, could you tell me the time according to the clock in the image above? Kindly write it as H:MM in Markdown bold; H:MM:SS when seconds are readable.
**9:50:32**
